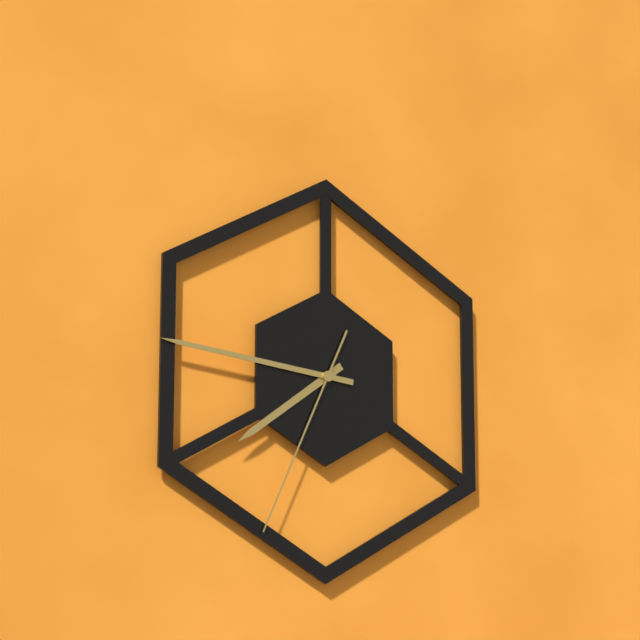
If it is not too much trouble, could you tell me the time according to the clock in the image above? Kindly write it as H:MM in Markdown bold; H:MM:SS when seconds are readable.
**7:46:34**
